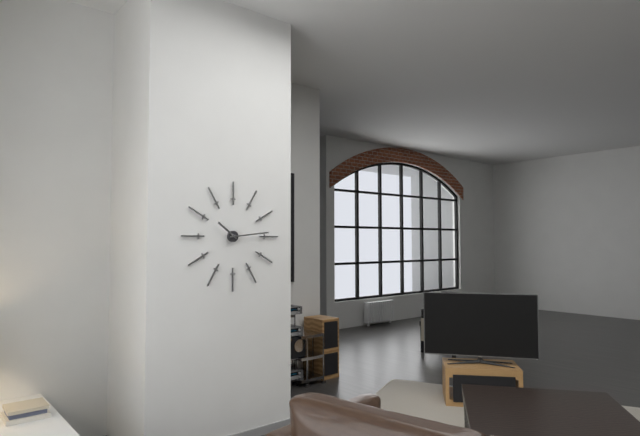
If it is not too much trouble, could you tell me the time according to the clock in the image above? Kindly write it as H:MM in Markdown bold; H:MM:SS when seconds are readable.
**10:14**
